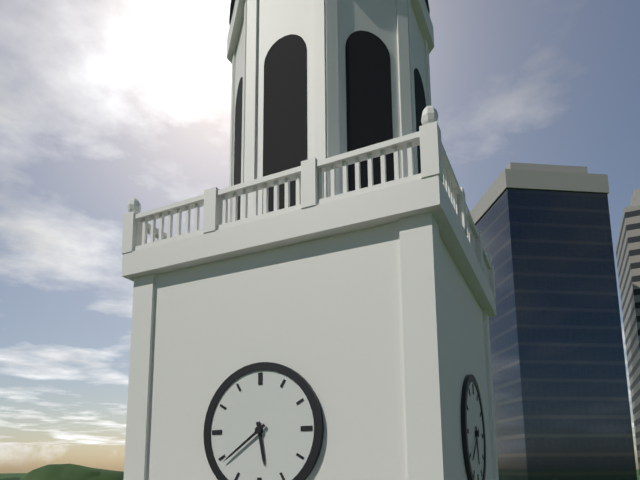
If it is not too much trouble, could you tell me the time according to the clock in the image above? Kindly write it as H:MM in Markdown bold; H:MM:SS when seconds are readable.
**5:39**
